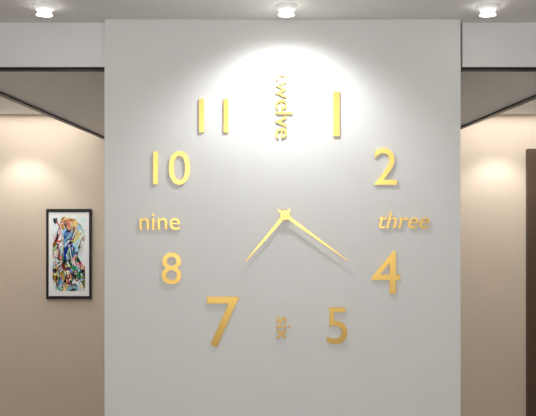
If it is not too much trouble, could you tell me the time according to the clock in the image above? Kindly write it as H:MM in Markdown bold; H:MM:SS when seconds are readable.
**7:21**
